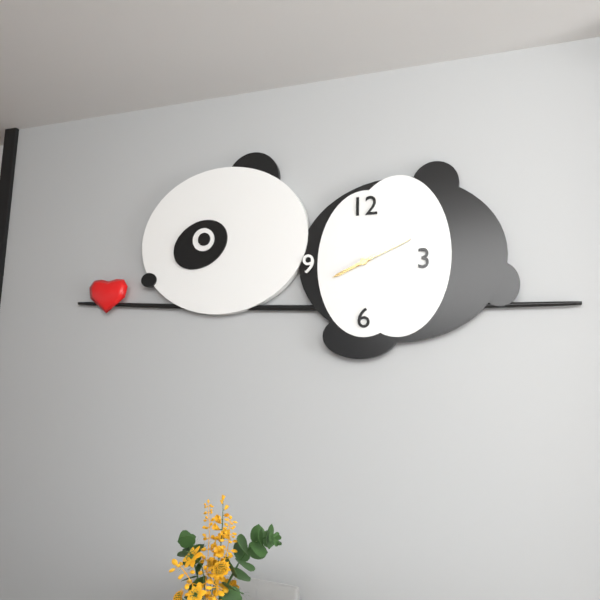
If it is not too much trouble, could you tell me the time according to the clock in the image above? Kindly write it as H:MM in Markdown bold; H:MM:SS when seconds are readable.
**8:11**
